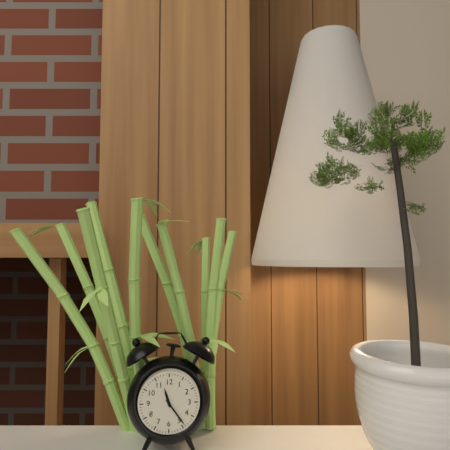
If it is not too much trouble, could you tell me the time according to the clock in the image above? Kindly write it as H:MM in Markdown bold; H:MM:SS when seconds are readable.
**11:24**
